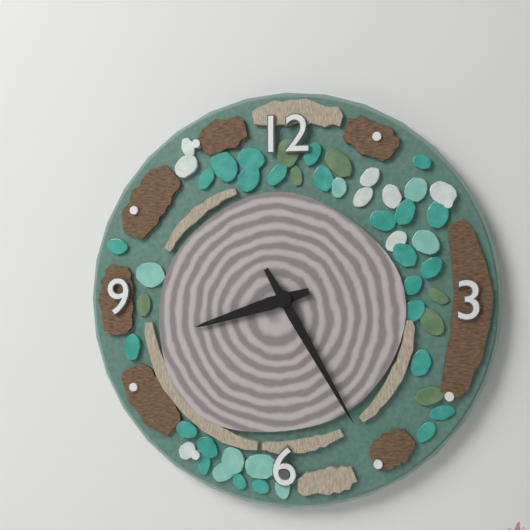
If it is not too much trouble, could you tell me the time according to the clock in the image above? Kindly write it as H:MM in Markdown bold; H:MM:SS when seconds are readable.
**8:25**
